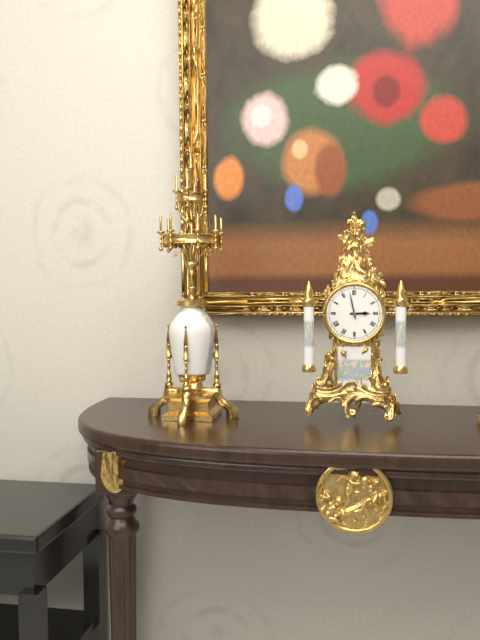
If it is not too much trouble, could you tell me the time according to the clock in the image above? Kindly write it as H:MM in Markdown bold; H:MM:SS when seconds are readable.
**2:58**
